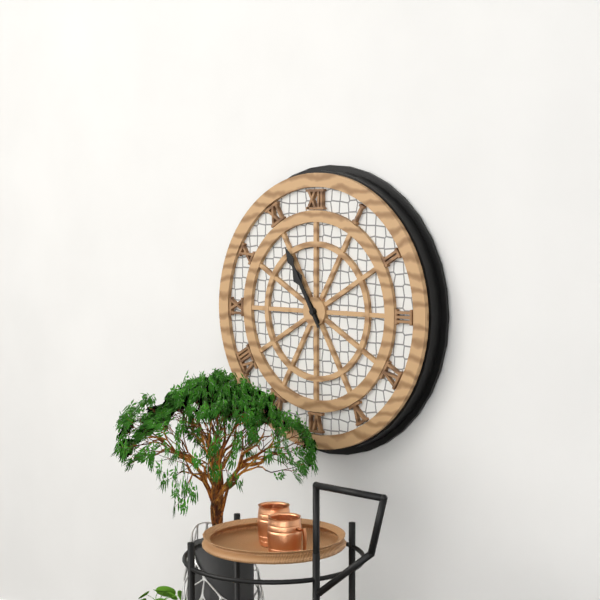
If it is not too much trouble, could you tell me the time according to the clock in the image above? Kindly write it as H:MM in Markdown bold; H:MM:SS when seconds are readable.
**10:55**
